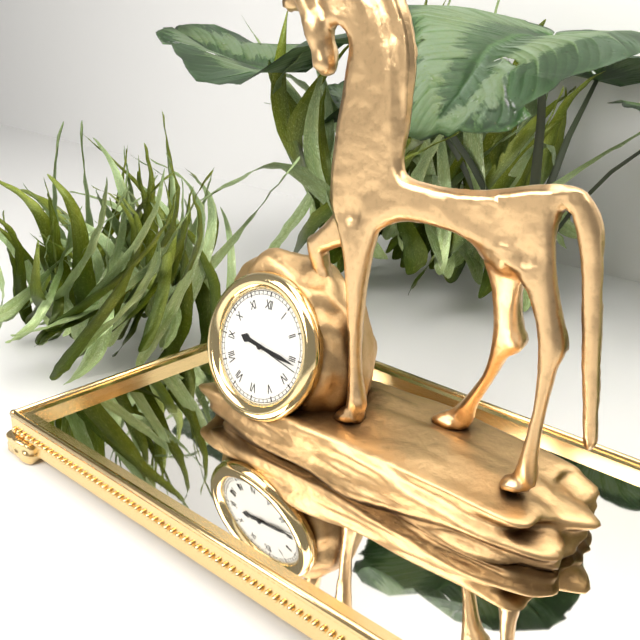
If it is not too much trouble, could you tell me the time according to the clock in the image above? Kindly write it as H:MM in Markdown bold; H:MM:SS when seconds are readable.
**9:16:17**
